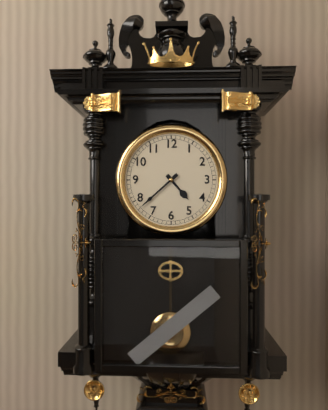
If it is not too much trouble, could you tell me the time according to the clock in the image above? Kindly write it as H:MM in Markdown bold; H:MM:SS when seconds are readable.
**4:38**
